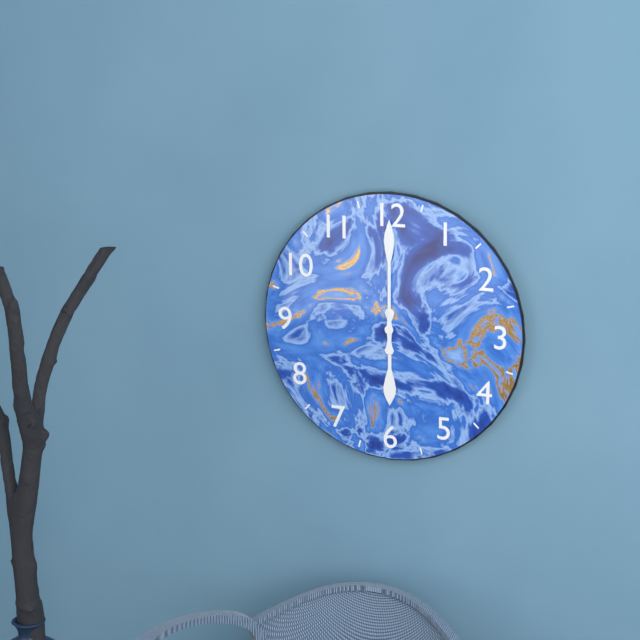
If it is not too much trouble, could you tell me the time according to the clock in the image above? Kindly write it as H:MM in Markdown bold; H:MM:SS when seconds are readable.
**6:00**
